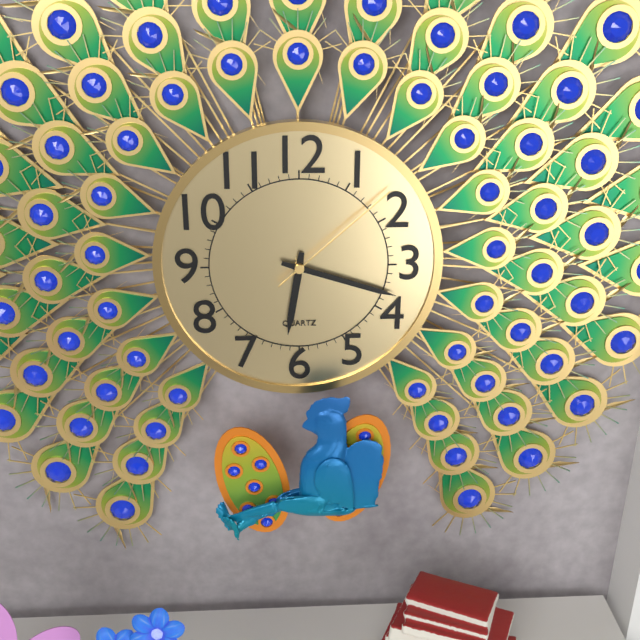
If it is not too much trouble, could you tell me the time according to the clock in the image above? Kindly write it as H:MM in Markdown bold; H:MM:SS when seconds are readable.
**6:18:08**
